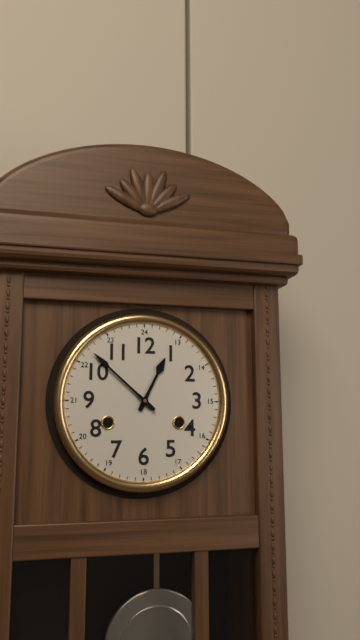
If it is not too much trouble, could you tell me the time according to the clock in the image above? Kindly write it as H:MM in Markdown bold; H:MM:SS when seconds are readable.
**12:52**
